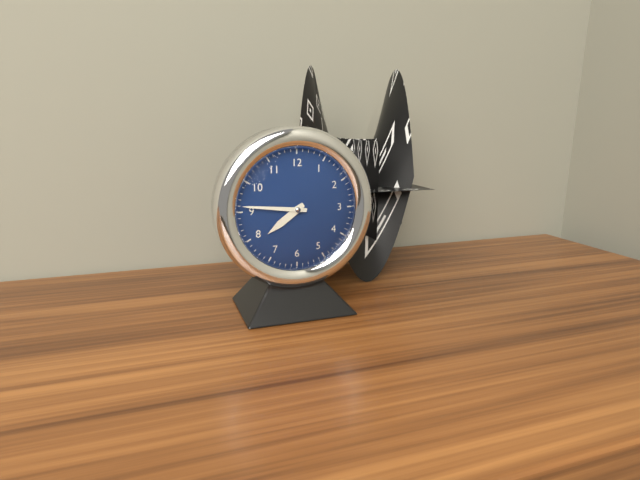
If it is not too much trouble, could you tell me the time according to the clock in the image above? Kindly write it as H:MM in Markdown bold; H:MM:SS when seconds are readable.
**7:46**
